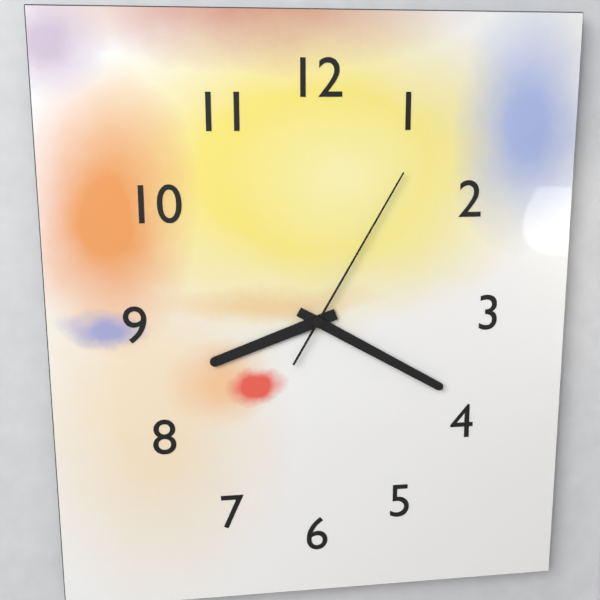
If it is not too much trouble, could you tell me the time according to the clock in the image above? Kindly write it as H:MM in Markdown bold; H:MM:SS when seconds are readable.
**8:20:05**
